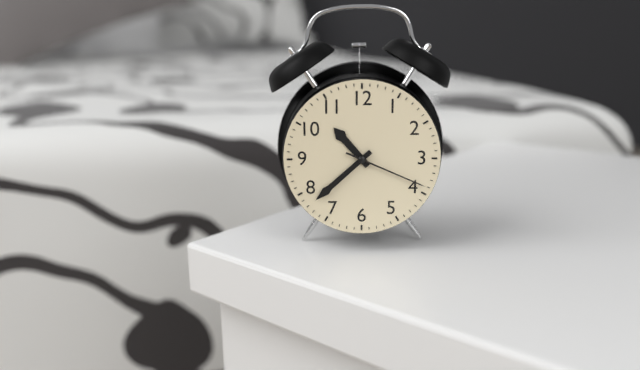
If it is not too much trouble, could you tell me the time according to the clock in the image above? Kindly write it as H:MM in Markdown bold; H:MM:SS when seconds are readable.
**10:38:19**
